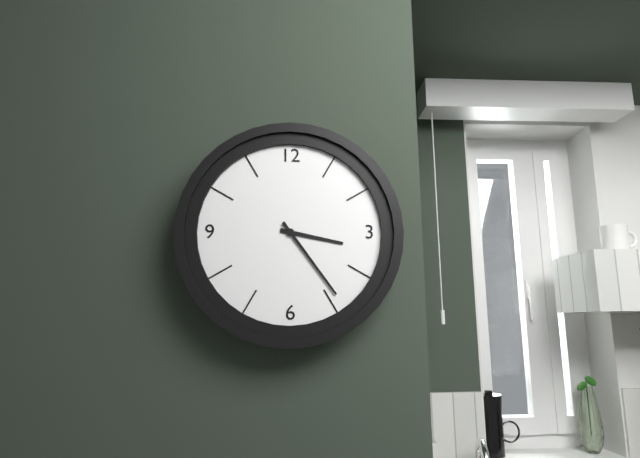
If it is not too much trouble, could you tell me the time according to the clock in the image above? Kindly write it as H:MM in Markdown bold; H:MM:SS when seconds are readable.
**3:24**
